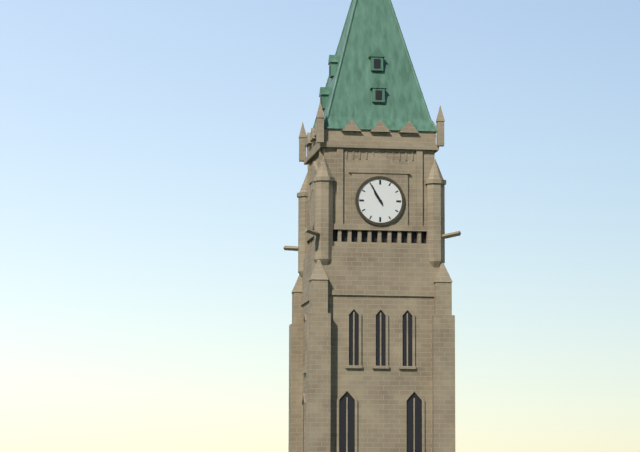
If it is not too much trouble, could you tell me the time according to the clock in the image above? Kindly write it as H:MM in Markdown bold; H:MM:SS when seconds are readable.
**10:55**
